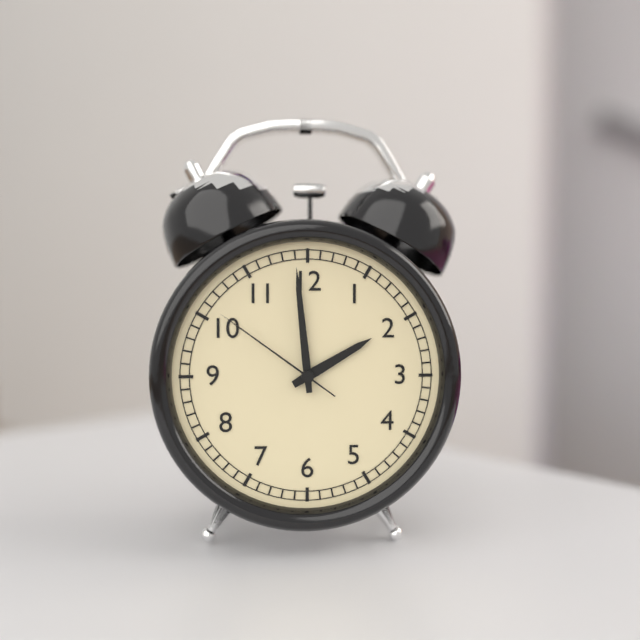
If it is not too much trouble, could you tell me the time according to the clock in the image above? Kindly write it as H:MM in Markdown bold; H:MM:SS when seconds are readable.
**1:59:51**
